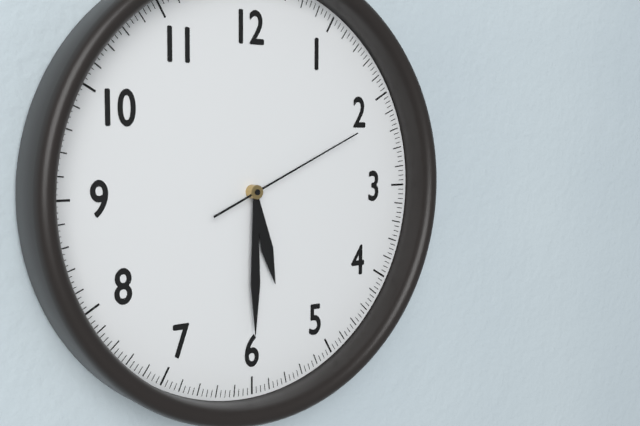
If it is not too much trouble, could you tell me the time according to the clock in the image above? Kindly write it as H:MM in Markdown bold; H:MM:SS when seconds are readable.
**5:30:11**
